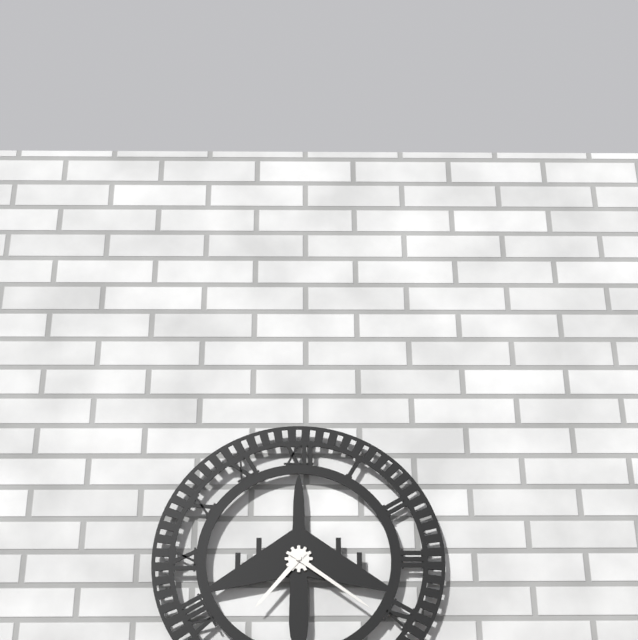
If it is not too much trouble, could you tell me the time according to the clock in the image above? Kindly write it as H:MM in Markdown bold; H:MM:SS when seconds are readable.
**7:21**
